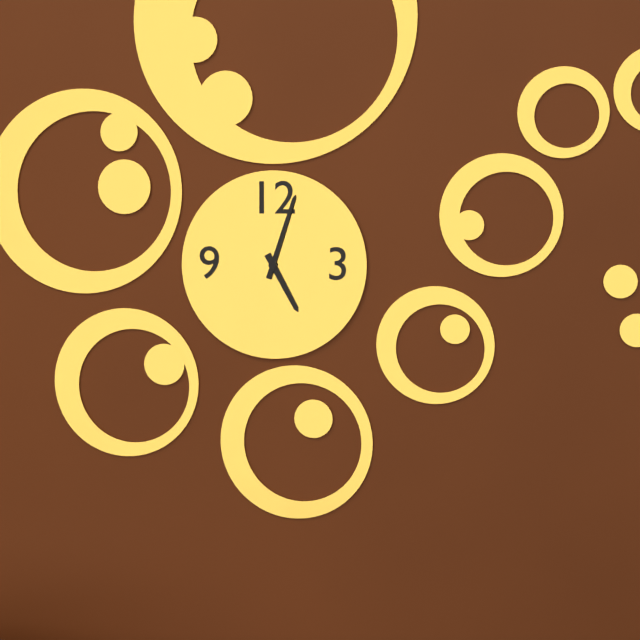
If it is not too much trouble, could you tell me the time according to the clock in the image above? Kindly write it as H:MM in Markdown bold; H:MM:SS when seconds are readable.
**5:03**
